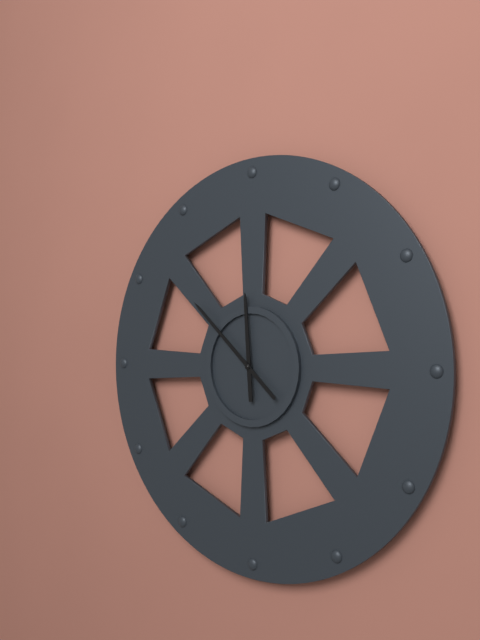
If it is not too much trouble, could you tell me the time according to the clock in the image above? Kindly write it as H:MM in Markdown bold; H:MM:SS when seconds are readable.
**11:52**
